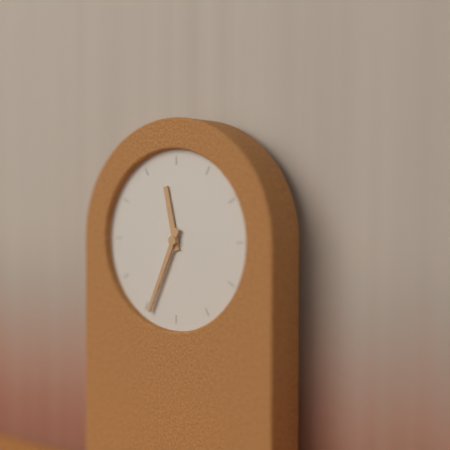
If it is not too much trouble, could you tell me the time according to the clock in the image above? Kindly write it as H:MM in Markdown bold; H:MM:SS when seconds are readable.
**11:34**
